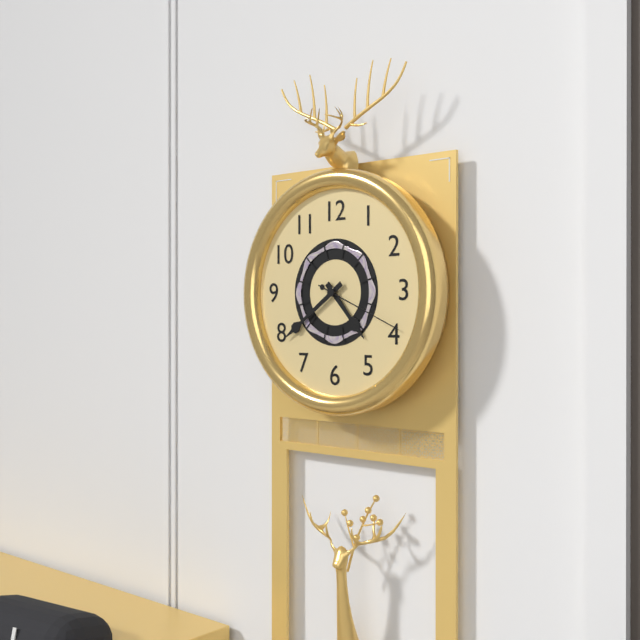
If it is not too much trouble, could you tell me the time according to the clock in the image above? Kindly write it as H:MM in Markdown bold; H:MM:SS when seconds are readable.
**4:39:19**
